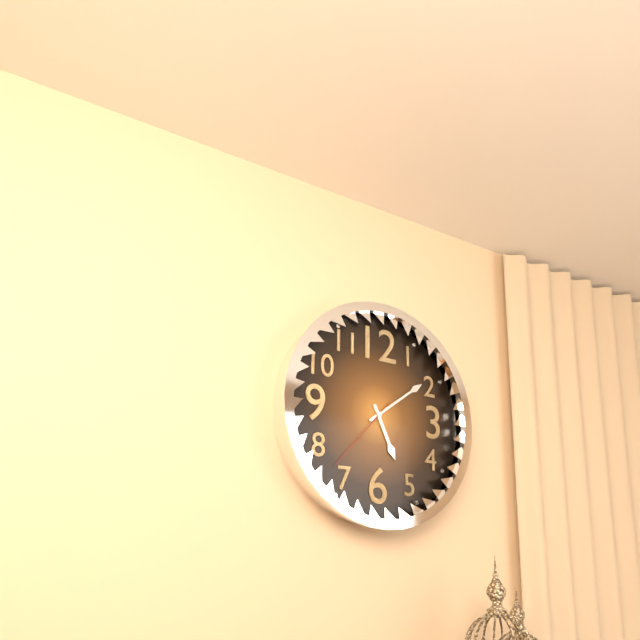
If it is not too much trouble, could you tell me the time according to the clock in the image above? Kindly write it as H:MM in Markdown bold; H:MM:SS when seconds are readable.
**5:09:37**
